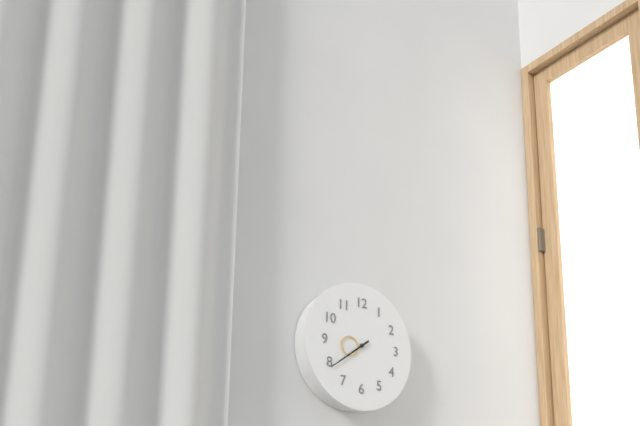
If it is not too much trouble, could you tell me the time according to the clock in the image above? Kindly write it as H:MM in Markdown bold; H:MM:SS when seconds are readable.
**8:39**
